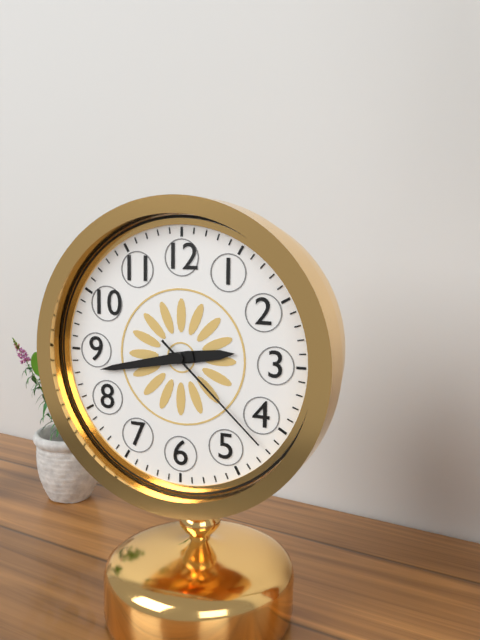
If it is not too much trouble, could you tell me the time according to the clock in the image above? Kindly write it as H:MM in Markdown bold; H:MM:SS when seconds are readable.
**2:43:22**
